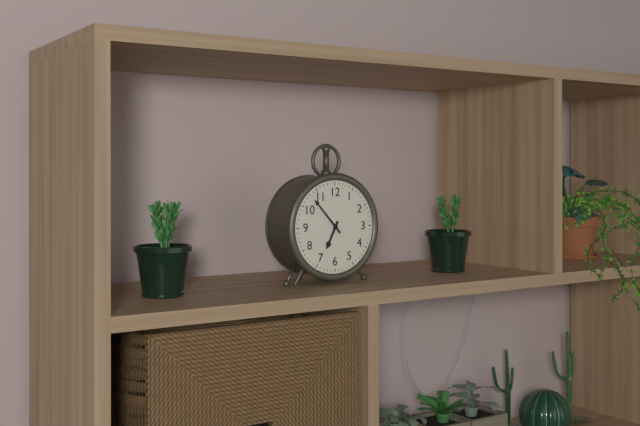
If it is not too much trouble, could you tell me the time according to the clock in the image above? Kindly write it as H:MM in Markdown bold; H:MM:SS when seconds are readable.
**6:53**
